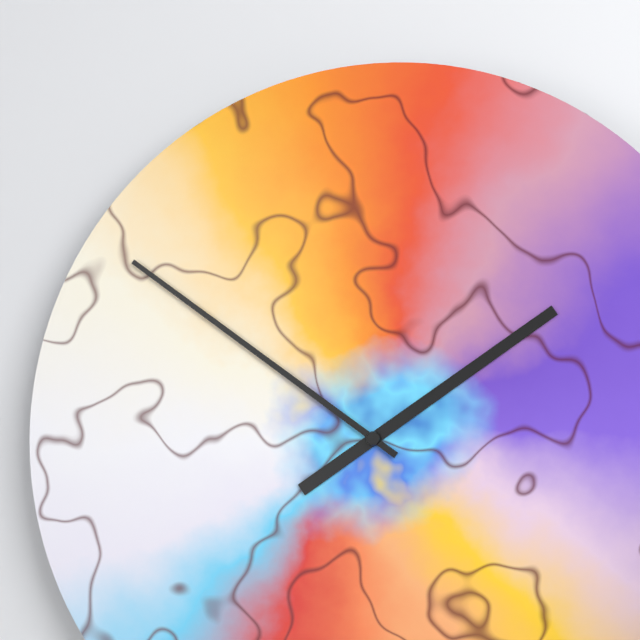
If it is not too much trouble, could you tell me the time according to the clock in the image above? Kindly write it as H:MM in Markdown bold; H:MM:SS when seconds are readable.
**1:51**
